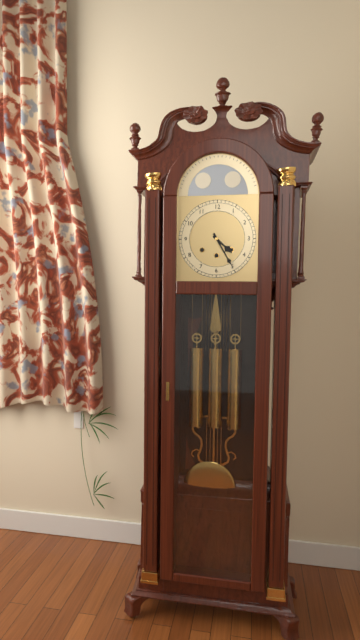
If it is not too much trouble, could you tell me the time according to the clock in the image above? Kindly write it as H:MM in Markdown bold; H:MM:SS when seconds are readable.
**4:25**
